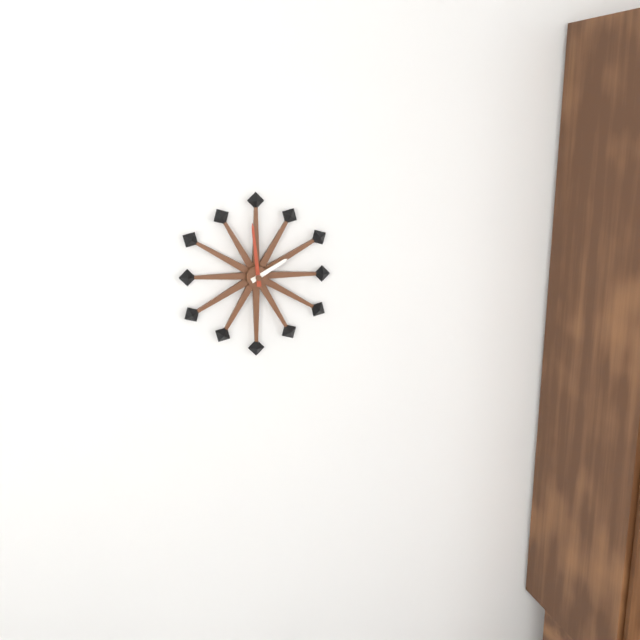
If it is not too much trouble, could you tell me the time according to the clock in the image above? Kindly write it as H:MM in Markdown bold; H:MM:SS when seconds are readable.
**1:59**
